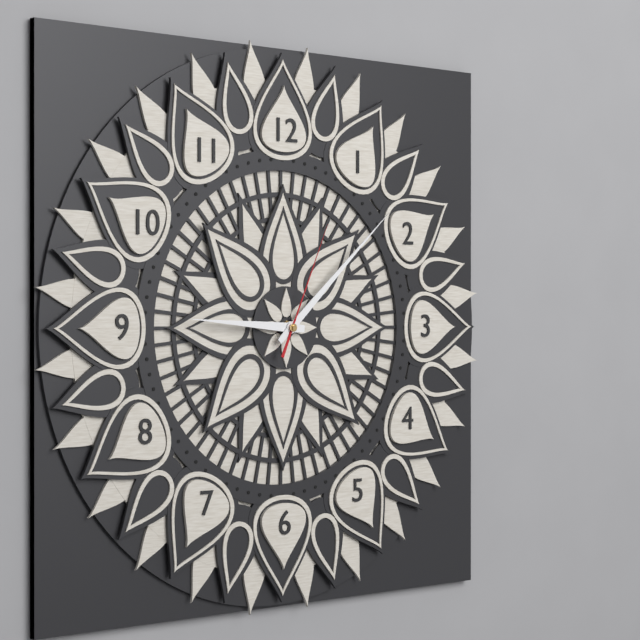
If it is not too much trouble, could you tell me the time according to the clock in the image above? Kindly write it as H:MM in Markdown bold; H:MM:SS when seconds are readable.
**9:08:04**
